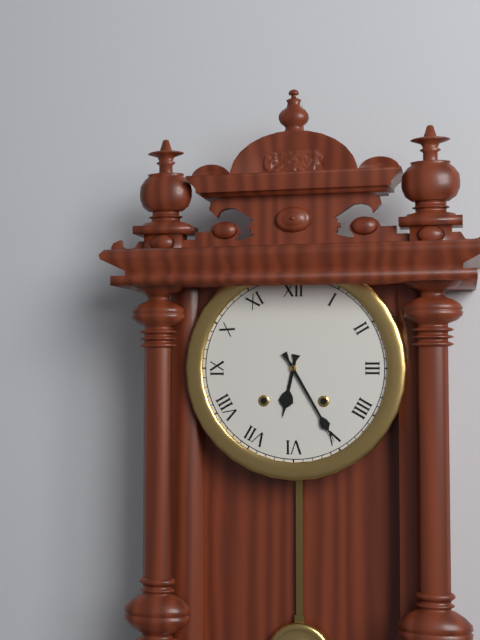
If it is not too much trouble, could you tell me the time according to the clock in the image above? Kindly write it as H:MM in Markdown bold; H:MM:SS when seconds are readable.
**6:25**
